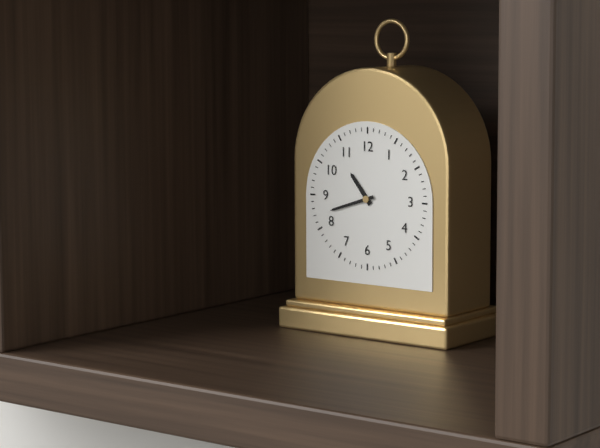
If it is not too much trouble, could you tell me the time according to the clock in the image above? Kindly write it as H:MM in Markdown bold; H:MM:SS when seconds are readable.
**10:42**
